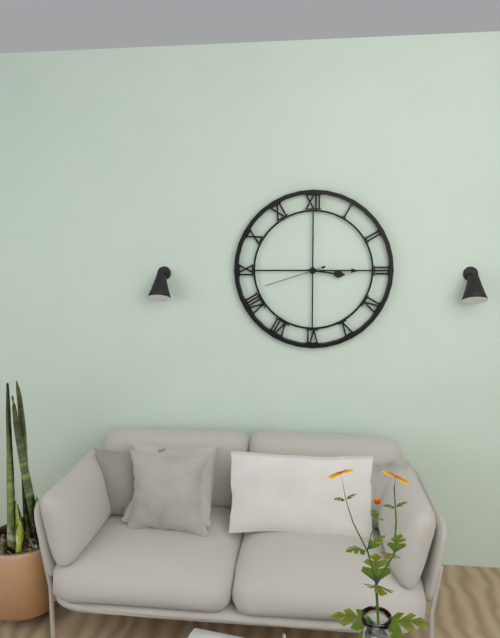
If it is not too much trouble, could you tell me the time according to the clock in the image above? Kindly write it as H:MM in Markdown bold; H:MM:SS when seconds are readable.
**3:15:42**
